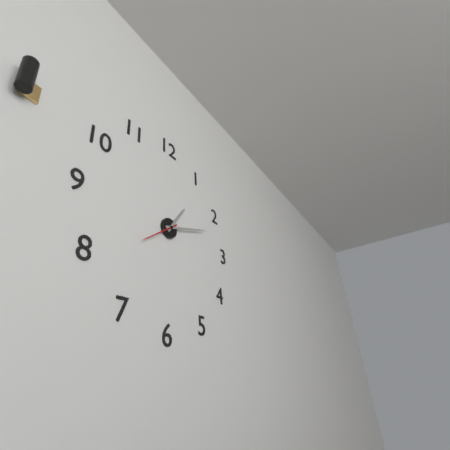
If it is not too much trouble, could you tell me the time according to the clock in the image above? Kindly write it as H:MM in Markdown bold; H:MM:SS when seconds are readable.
**1:12**
